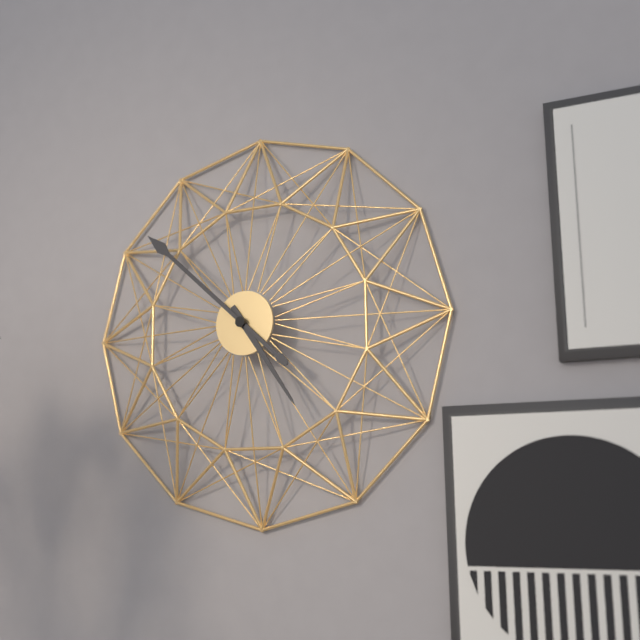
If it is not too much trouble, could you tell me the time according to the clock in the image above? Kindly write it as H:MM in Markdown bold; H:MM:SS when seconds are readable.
**4:52**
